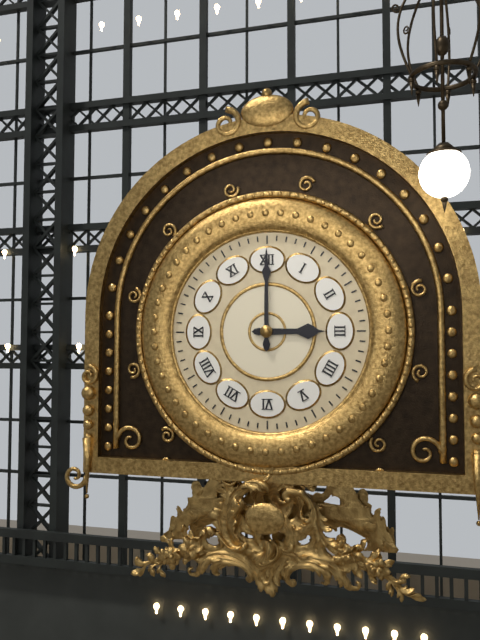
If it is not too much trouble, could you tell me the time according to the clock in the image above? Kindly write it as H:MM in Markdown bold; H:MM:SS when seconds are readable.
**3:00**
